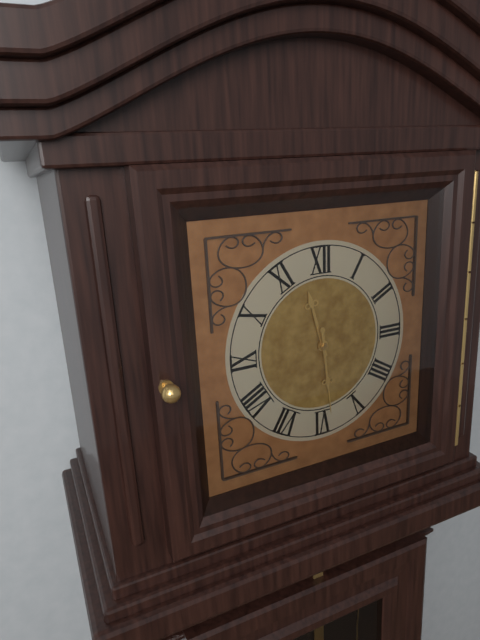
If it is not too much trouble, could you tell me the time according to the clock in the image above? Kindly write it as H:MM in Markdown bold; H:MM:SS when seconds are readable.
**11:29**
